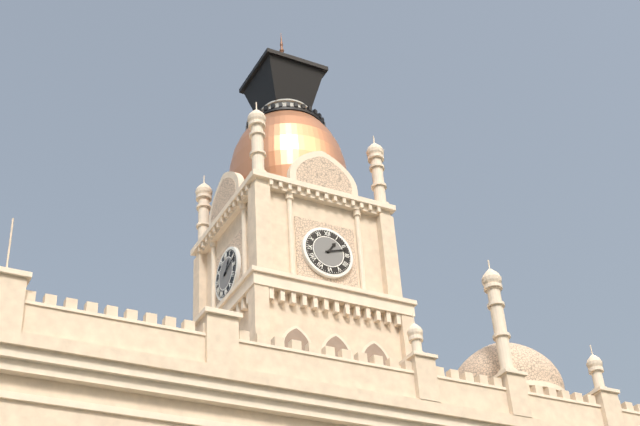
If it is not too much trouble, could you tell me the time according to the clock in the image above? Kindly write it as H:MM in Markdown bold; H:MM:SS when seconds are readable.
**1:12**
